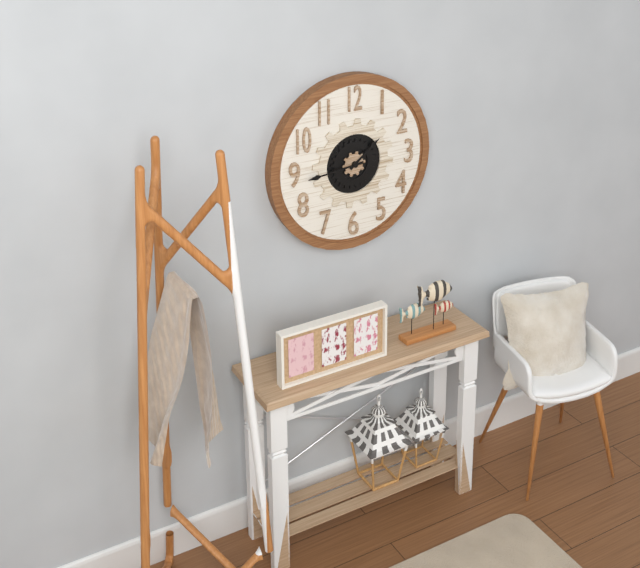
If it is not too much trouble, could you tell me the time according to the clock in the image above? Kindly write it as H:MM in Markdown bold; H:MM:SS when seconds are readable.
**1:44**
